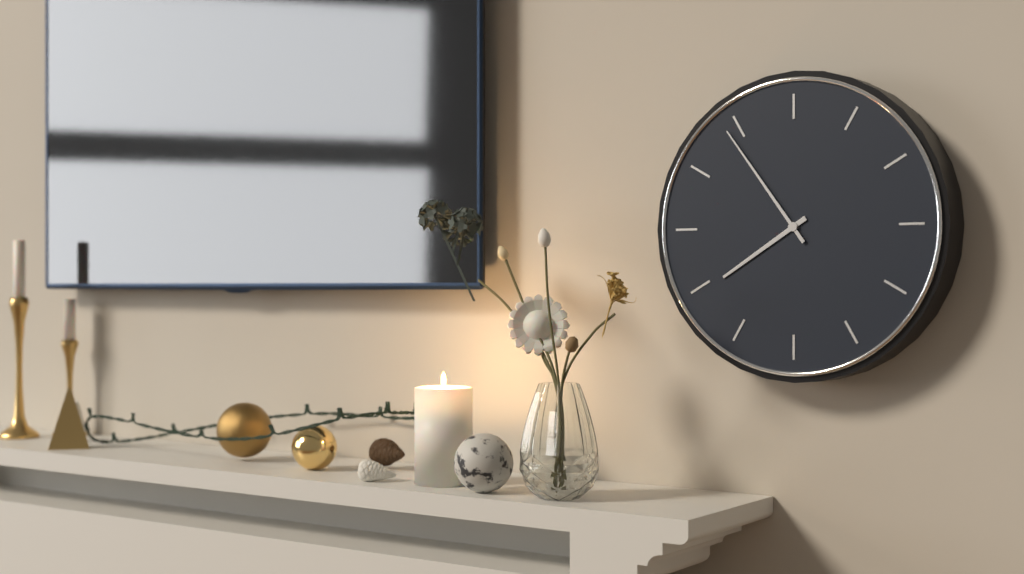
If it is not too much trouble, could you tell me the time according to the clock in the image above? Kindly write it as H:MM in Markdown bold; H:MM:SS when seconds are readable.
**7:54**
